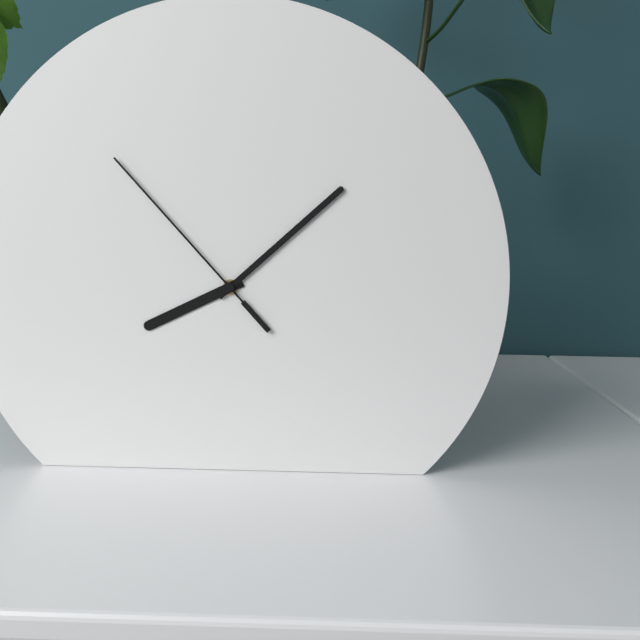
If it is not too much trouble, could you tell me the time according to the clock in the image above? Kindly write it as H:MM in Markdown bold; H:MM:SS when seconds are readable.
**8:08:53**
